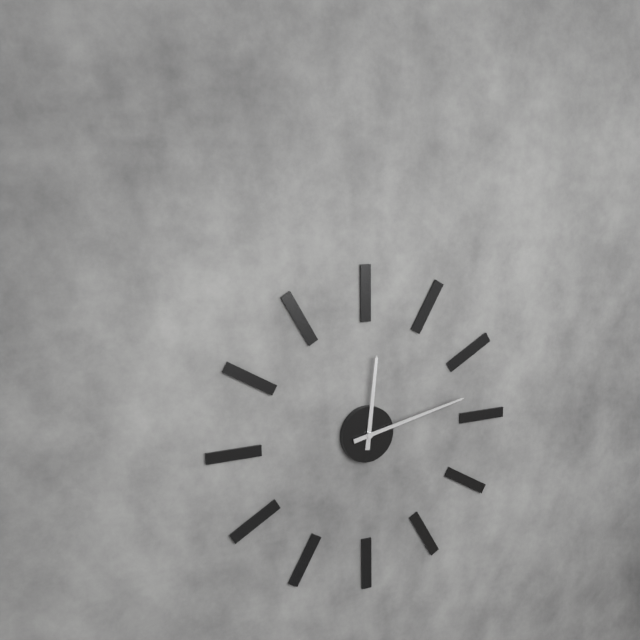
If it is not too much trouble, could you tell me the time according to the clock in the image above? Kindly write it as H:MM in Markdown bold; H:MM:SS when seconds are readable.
**12:13**
